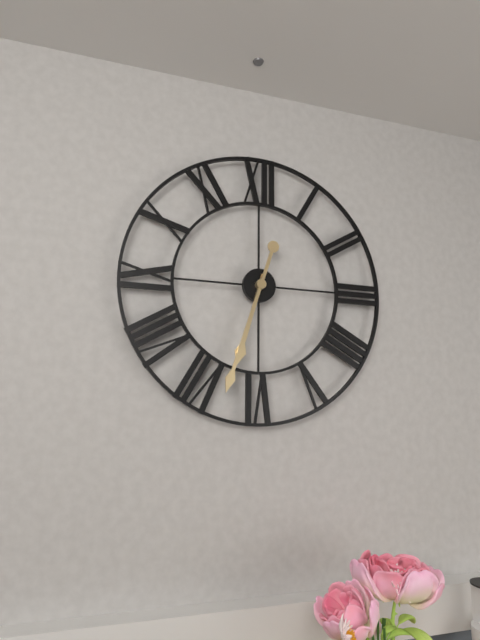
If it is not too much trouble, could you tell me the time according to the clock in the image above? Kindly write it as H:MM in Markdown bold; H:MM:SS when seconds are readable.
**6:33**
